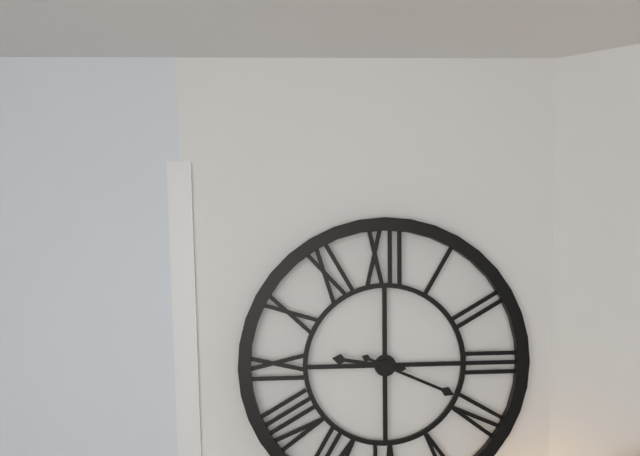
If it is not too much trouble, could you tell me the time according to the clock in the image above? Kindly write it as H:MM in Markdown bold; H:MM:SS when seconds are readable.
**9:19**
